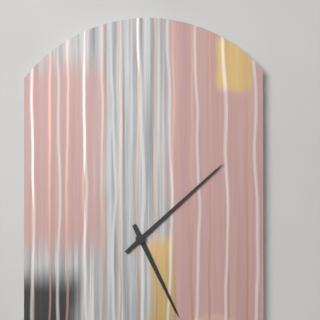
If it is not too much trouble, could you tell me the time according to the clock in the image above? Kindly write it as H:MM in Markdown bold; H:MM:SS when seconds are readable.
**5:08**
